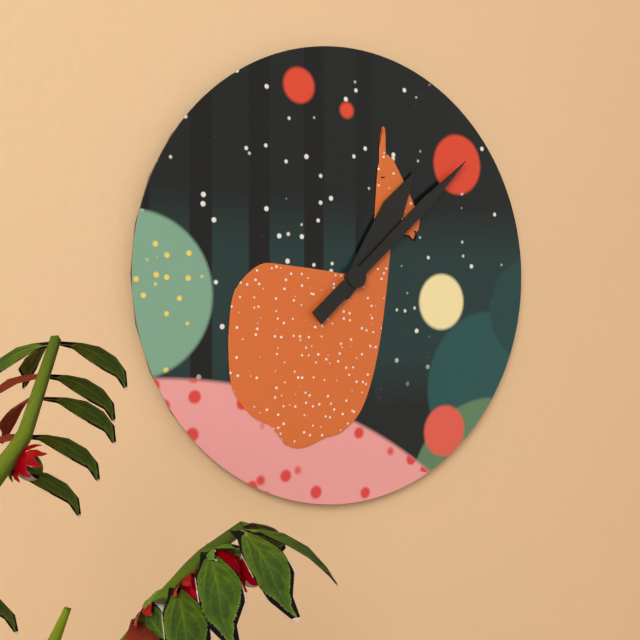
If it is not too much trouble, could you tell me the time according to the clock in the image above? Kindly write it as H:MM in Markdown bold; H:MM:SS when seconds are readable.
**1:08**
